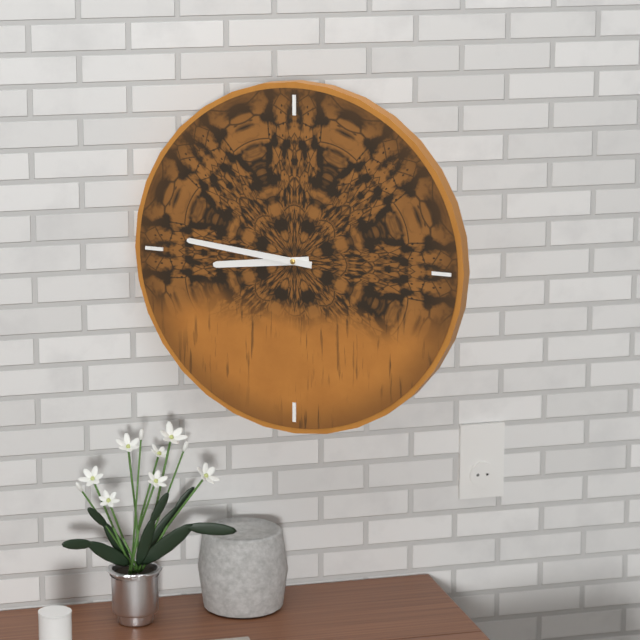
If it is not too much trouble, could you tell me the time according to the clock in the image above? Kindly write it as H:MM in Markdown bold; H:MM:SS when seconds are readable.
**8:46**
